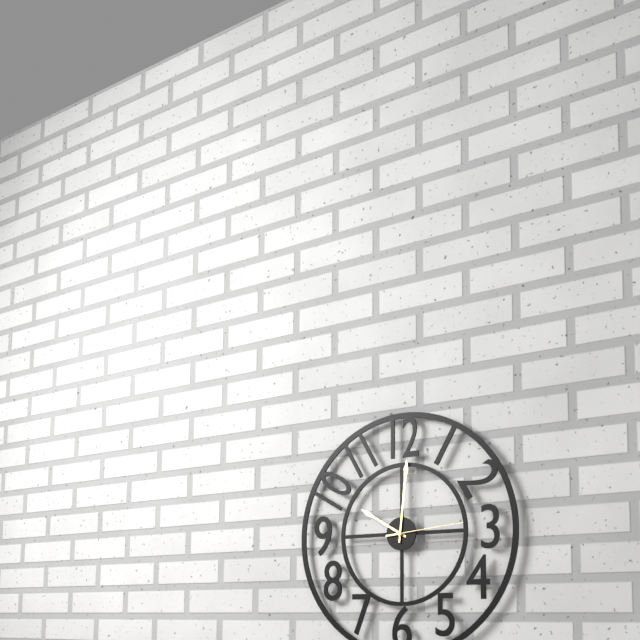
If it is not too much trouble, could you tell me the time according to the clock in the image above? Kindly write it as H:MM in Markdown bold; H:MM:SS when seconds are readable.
**10:01:14**
